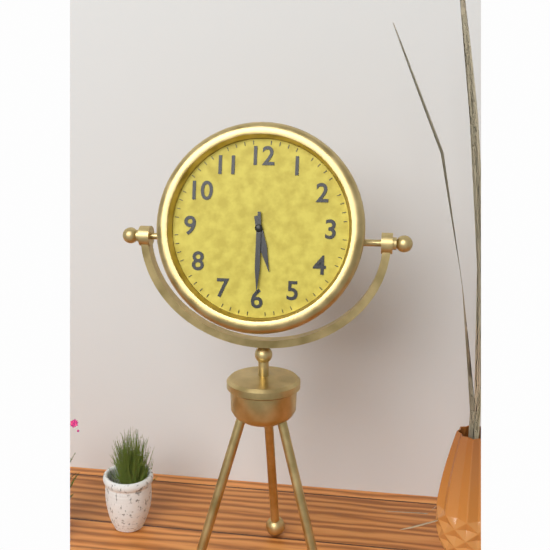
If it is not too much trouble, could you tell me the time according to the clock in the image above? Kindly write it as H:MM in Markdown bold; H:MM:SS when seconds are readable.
**5:30**
